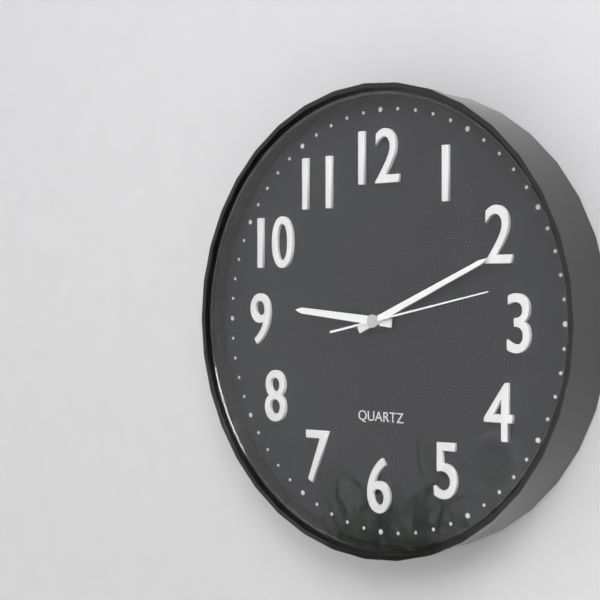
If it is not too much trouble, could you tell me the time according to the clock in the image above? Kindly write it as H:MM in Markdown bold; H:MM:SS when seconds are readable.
**9:11:13**
